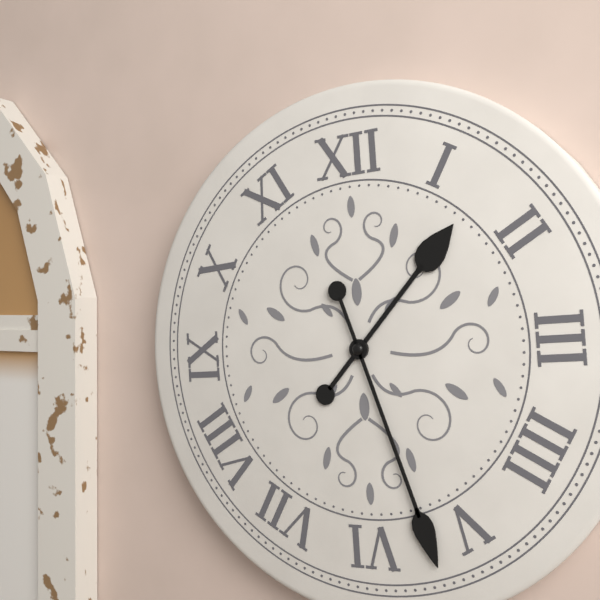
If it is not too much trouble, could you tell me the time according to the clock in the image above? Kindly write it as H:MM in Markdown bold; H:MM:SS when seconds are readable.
**1:27**
